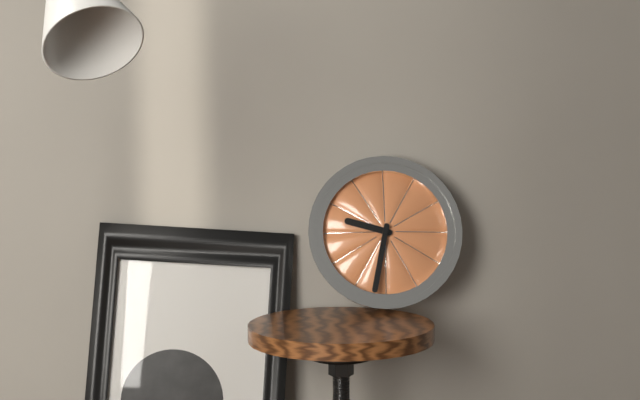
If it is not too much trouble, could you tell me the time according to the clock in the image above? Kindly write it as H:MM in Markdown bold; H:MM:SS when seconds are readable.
**9:32**
